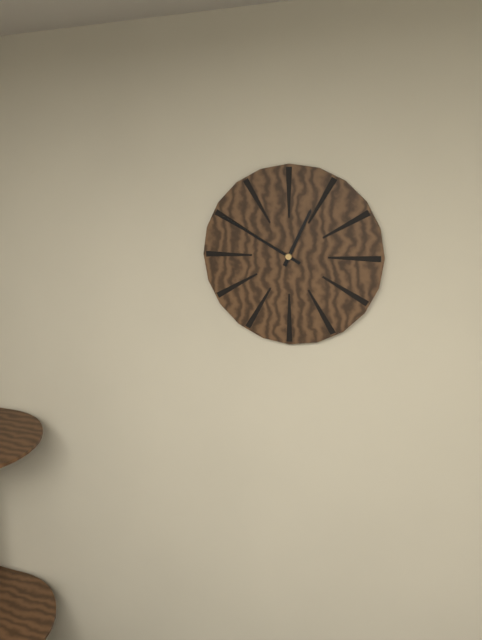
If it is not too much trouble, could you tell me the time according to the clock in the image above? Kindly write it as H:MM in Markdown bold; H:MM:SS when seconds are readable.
**12:50**
